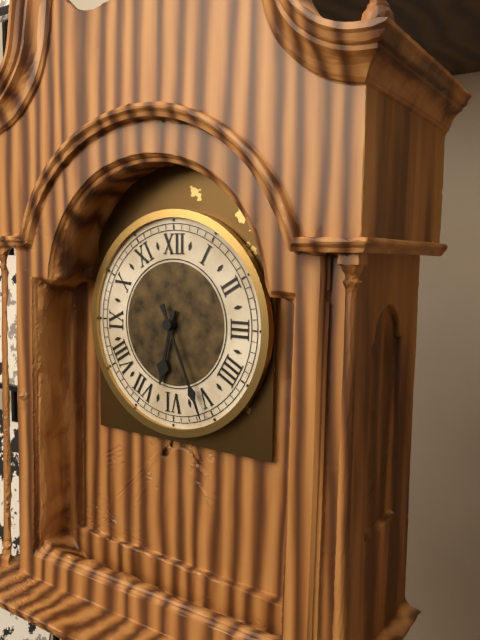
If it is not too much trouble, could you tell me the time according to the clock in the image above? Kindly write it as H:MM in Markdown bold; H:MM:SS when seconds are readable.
**6:26**
